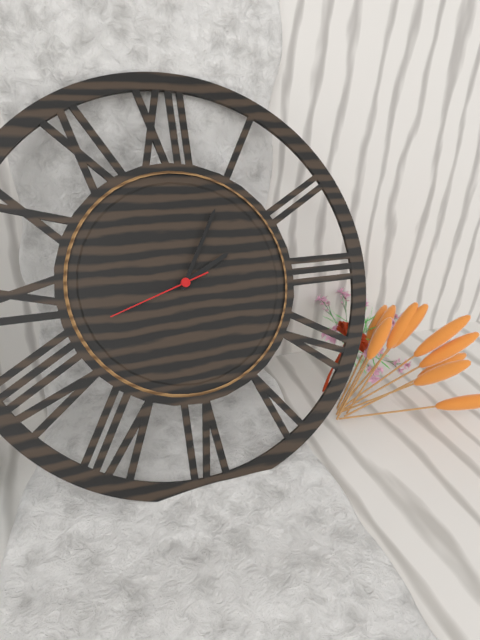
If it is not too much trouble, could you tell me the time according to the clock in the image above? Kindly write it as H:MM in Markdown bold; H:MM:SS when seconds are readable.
**2:05:42**
